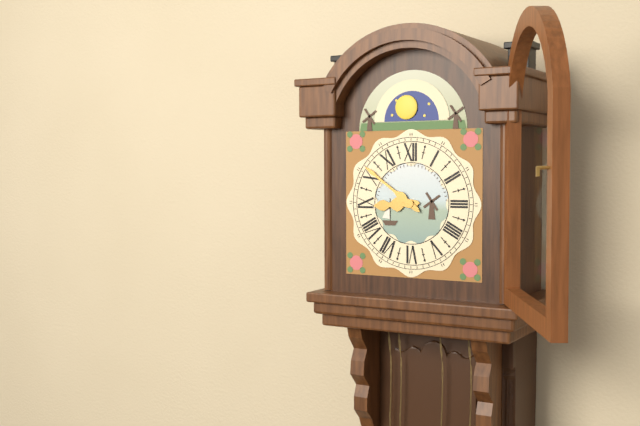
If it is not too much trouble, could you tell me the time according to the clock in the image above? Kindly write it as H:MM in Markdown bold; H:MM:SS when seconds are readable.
**8:51**
